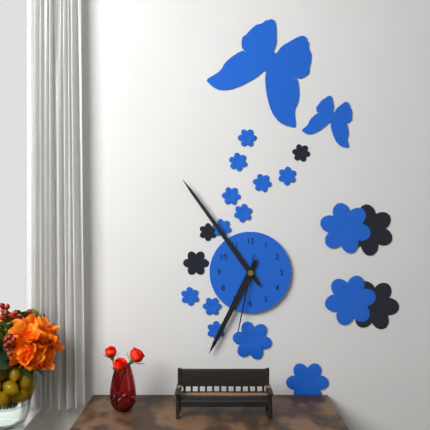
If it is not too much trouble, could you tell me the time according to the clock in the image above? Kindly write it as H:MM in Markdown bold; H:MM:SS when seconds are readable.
**6:54:32**
